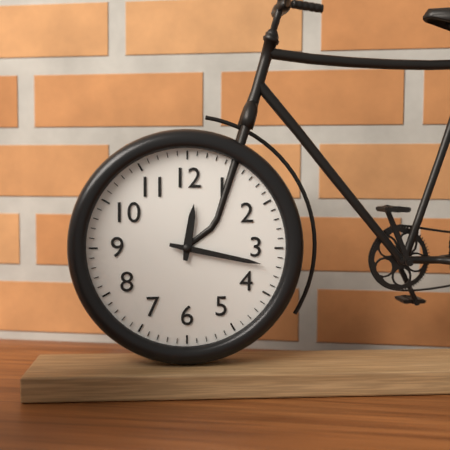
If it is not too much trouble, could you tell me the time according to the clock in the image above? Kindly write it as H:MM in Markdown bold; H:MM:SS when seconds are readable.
**12:17**
